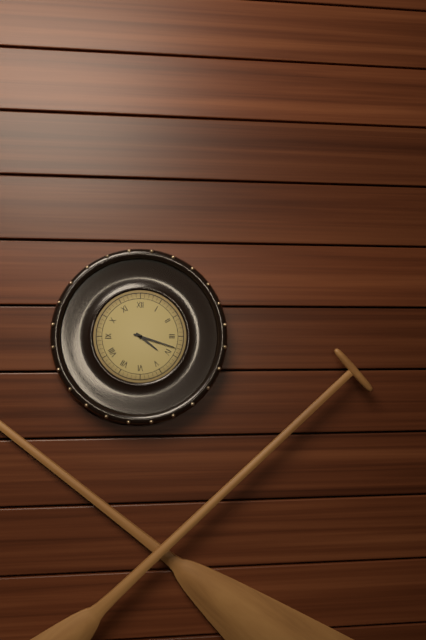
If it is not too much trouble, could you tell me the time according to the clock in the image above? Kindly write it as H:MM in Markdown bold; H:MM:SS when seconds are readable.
**4:18**
